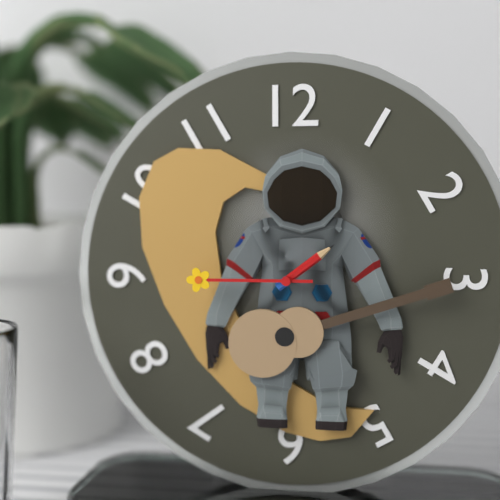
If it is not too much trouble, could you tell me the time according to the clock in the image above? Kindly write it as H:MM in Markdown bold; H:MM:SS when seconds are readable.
**1:45**
